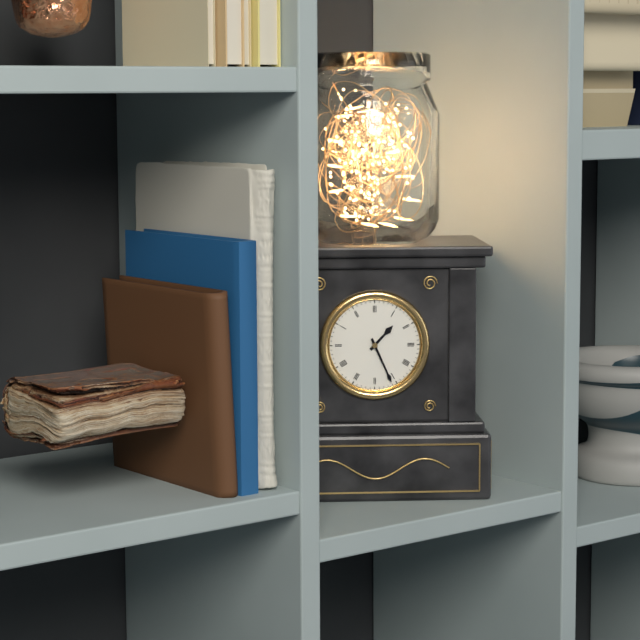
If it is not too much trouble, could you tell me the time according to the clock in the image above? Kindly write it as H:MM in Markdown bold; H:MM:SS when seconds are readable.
**1:26**
